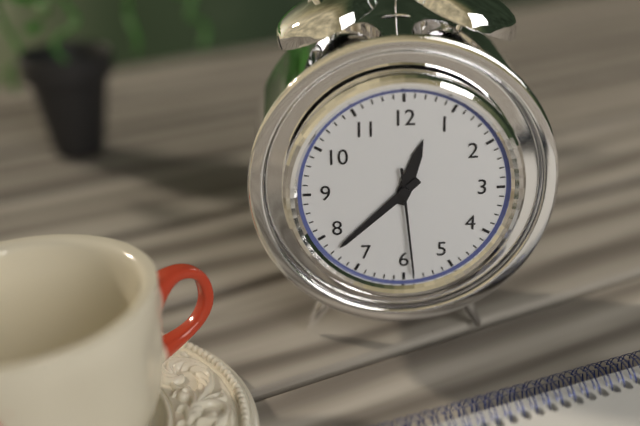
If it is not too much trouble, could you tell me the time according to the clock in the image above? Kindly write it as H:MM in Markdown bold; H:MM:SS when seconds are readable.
**12:38:29**
